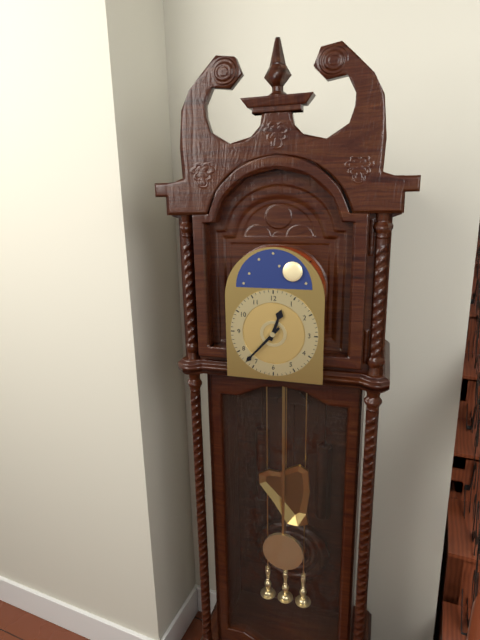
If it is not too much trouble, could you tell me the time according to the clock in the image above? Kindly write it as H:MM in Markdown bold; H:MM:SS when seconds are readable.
**12:37**
